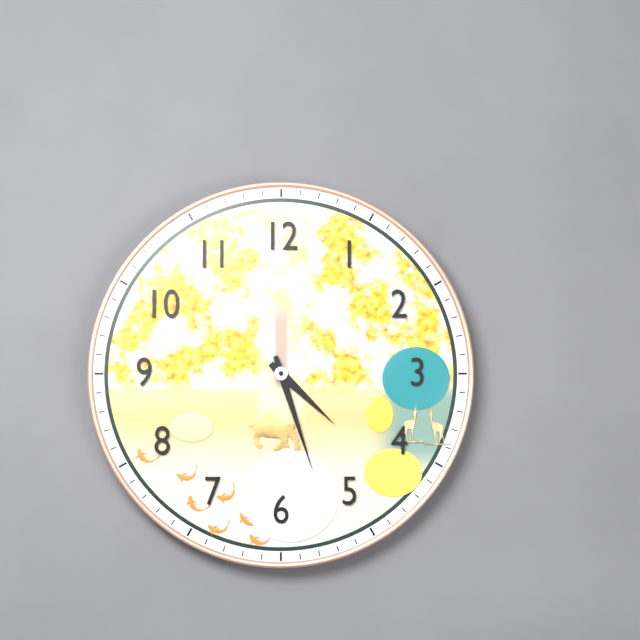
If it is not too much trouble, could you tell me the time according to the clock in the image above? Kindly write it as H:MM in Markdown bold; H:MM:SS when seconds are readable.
**4:27**
